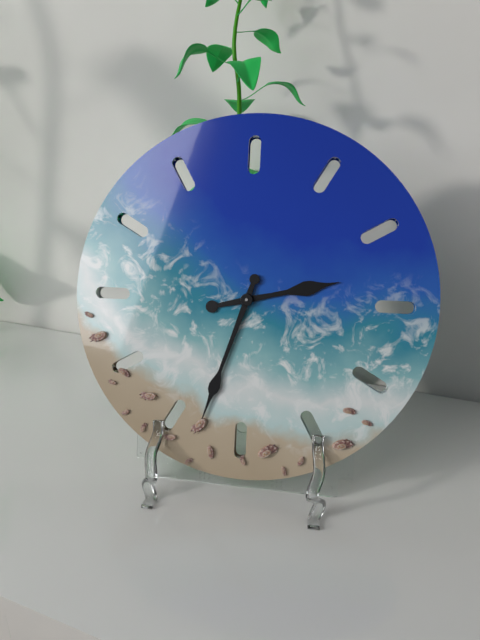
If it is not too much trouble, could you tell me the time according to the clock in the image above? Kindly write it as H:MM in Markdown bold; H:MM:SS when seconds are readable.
**2:33**
